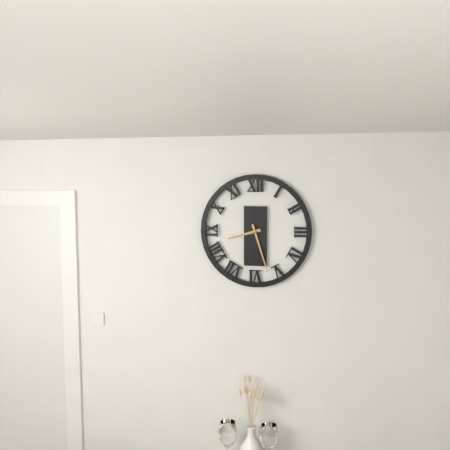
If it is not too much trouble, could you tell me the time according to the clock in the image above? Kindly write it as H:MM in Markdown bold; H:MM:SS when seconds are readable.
**8:27**
